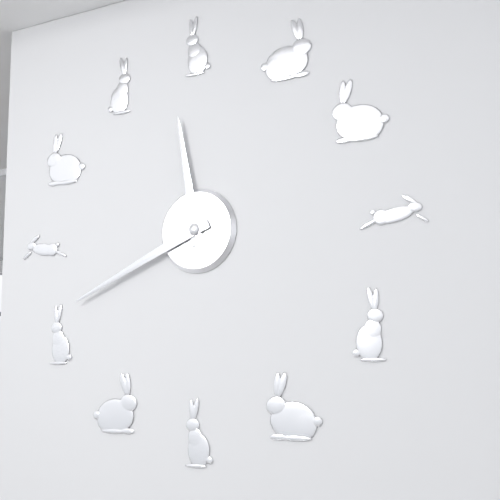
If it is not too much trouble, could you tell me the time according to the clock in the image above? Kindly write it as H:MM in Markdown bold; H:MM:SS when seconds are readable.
**11:41**
